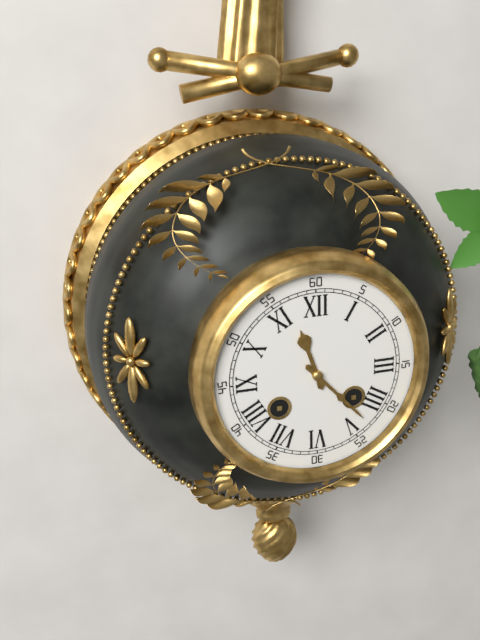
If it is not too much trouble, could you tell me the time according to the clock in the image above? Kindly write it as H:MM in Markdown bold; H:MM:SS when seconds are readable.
**11:23**
